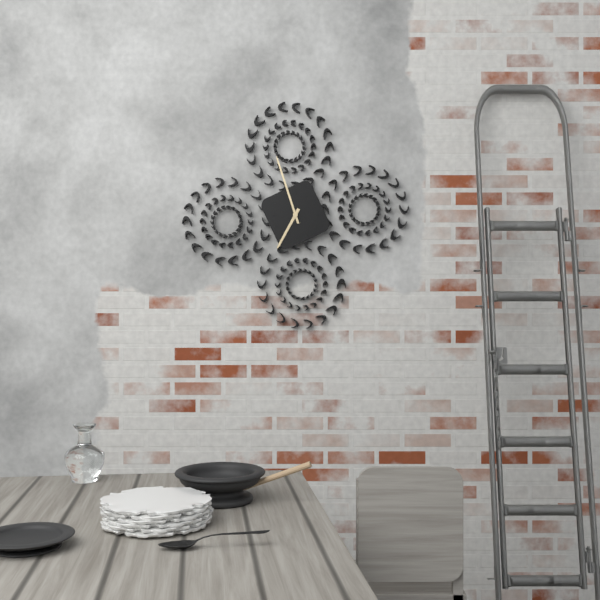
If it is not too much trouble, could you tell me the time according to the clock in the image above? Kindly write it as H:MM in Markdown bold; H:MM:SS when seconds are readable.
**6:57**
